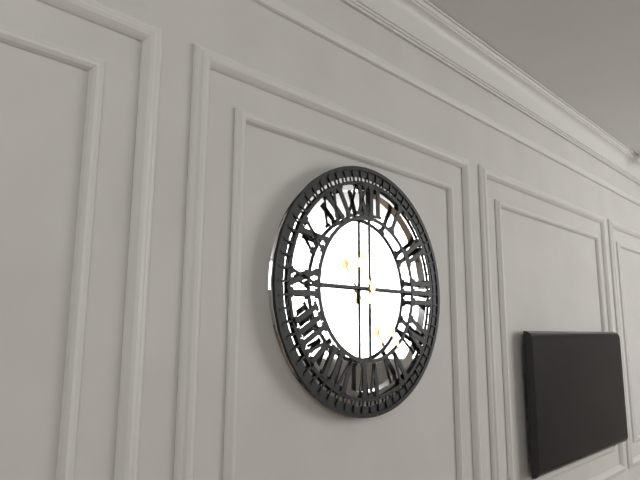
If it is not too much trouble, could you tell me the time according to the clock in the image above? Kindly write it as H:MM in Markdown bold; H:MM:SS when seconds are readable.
**12:24**
